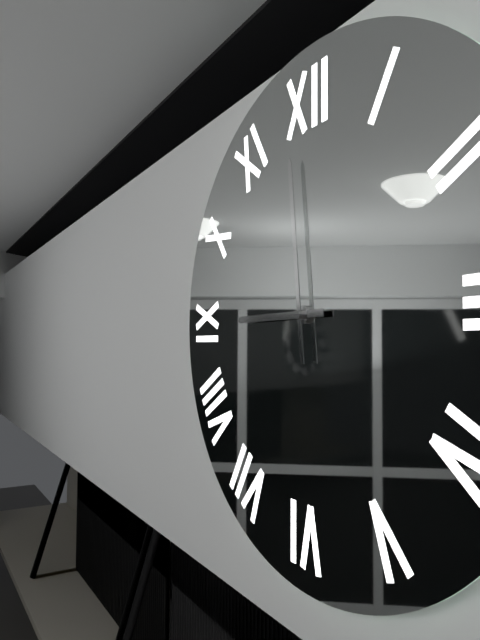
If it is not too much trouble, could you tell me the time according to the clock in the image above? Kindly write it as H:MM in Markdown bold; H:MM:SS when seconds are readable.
**8:59**
